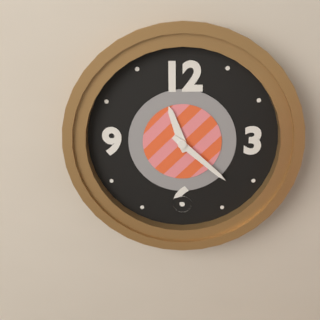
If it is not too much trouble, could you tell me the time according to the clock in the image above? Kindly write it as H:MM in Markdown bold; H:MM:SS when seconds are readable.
**11:22**
